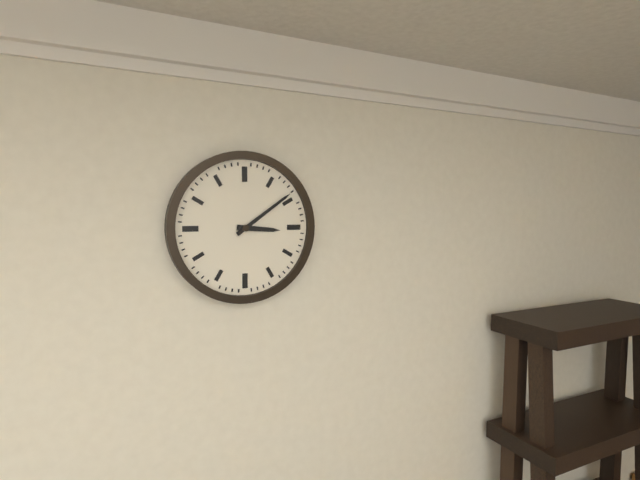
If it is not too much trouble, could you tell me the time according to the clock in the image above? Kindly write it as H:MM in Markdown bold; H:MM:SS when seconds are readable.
**3:09**
